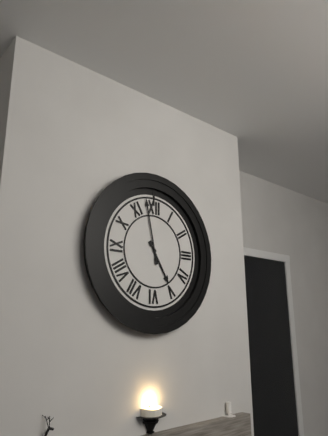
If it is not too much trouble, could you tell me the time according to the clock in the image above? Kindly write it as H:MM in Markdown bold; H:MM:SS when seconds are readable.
**4:58**
